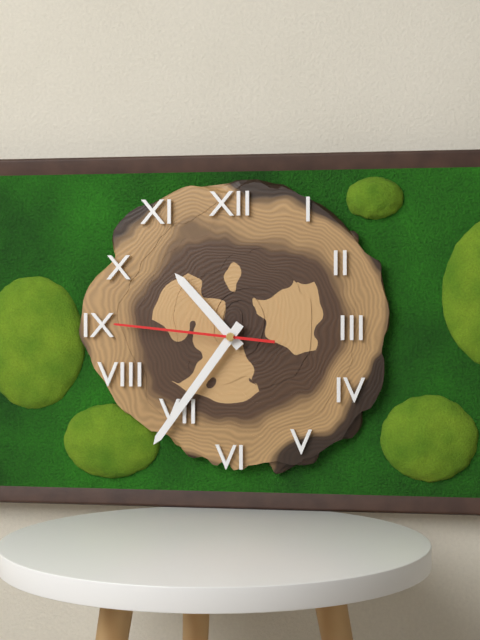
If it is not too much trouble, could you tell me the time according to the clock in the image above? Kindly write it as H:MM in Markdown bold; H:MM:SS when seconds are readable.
**10:36:46**
